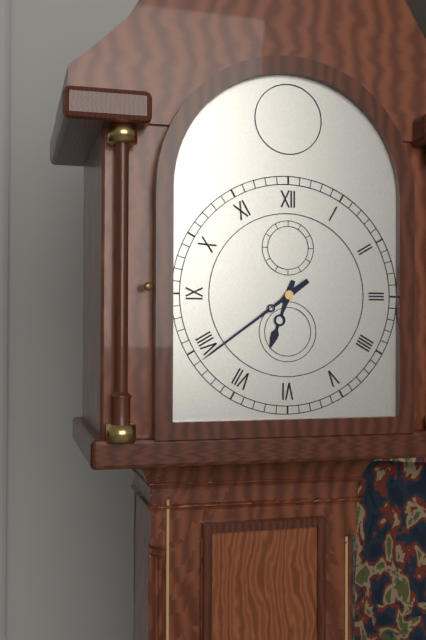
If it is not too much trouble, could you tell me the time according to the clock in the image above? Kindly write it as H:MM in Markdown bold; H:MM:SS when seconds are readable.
**6:39**
